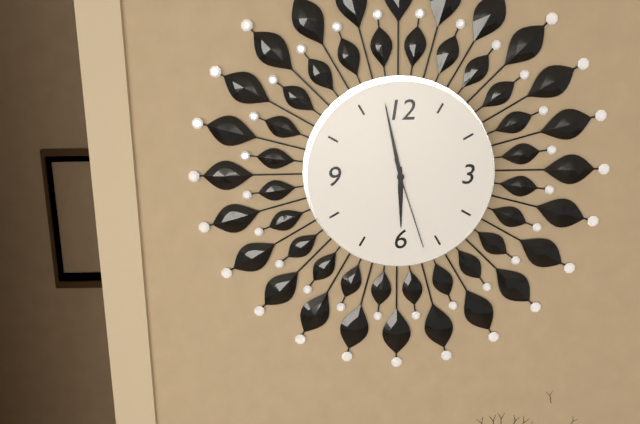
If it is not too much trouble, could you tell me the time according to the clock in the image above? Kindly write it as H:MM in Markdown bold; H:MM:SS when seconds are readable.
**5:58:27**
